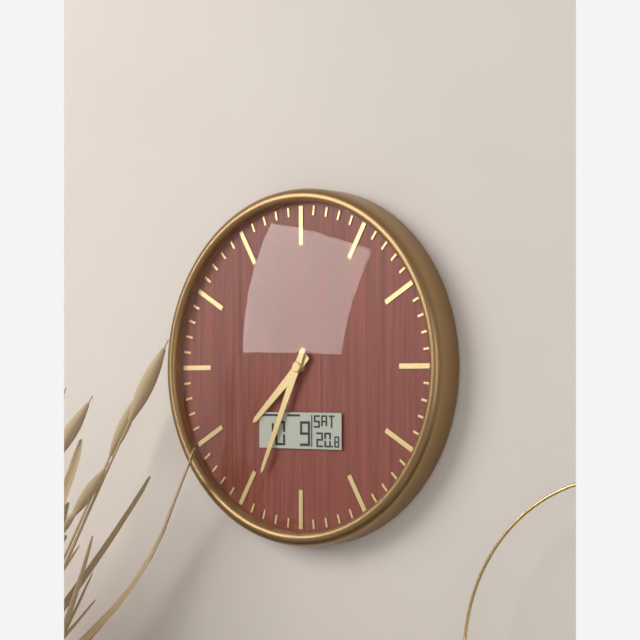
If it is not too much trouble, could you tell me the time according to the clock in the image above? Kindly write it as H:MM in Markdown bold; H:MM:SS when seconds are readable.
**7:34**
